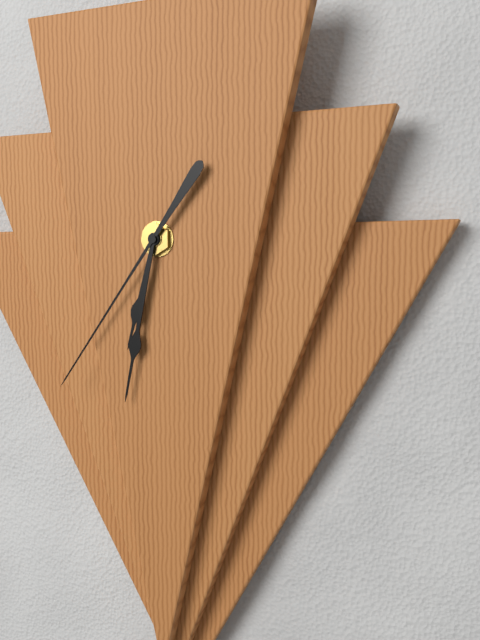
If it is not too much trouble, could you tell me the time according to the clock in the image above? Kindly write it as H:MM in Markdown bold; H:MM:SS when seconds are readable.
**6:32:36**
